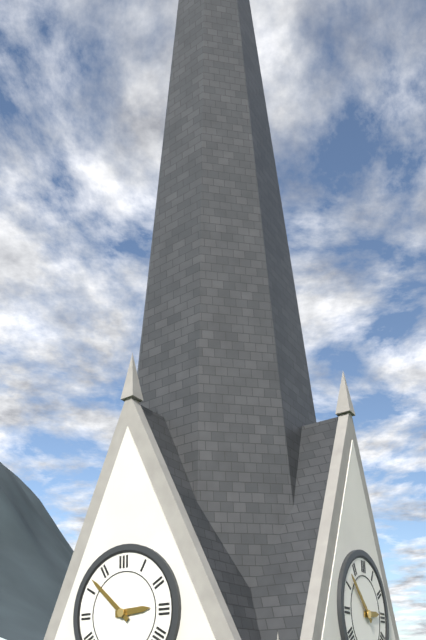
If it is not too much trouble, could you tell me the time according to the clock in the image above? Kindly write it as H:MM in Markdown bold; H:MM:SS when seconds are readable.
**2:52**
